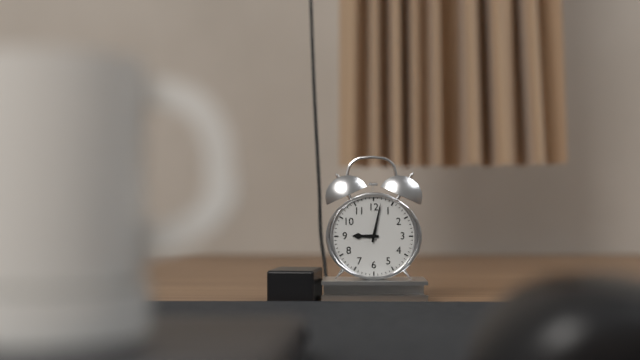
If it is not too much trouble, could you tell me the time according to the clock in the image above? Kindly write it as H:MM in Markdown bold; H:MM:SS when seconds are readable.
**9:02**
